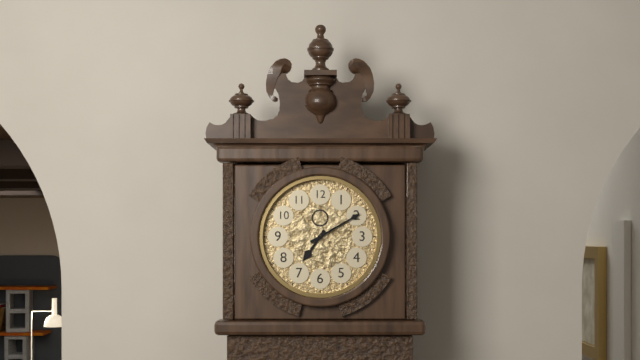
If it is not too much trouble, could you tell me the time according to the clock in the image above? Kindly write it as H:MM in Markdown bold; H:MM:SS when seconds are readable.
**7:10**
